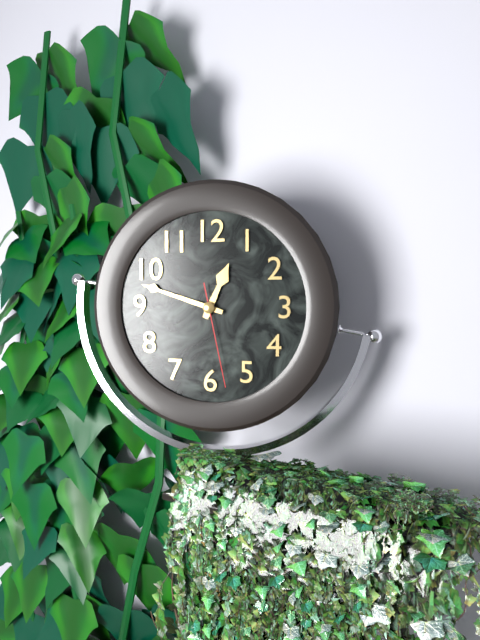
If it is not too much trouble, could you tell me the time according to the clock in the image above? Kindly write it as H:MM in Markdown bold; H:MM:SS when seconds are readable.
**12:48:28**
